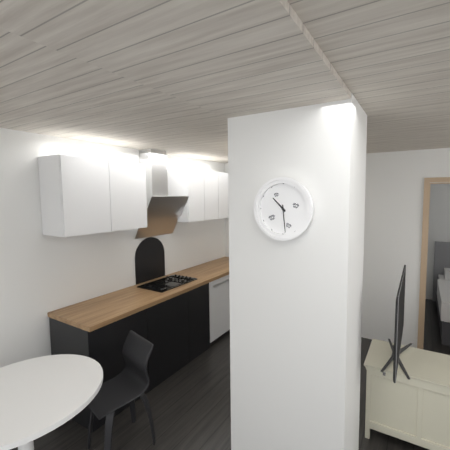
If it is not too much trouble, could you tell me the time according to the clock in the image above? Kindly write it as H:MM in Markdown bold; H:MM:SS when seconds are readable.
**10:29**
